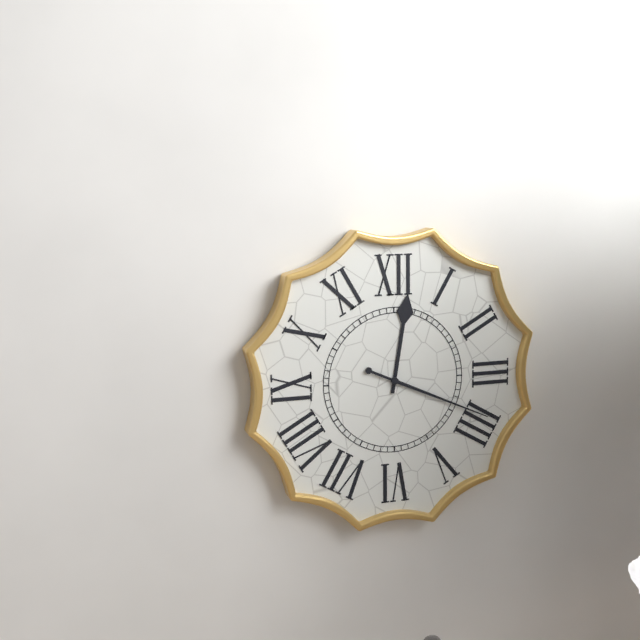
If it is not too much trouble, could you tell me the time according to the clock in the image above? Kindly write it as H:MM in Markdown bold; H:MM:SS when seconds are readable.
**12:19**
